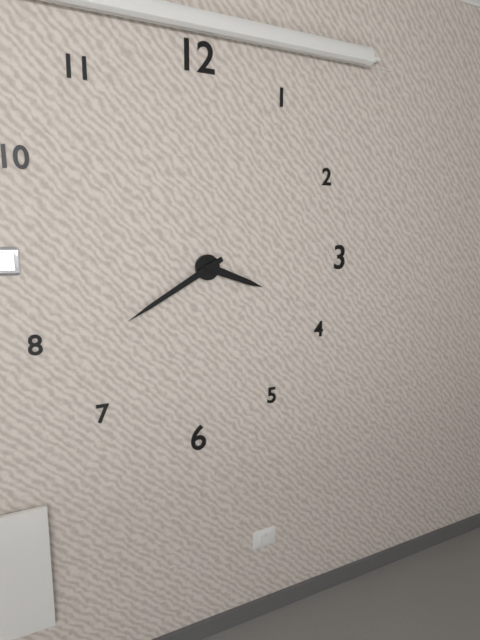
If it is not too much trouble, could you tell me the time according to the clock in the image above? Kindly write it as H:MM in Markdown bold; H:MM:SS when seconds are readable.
**3:40**
